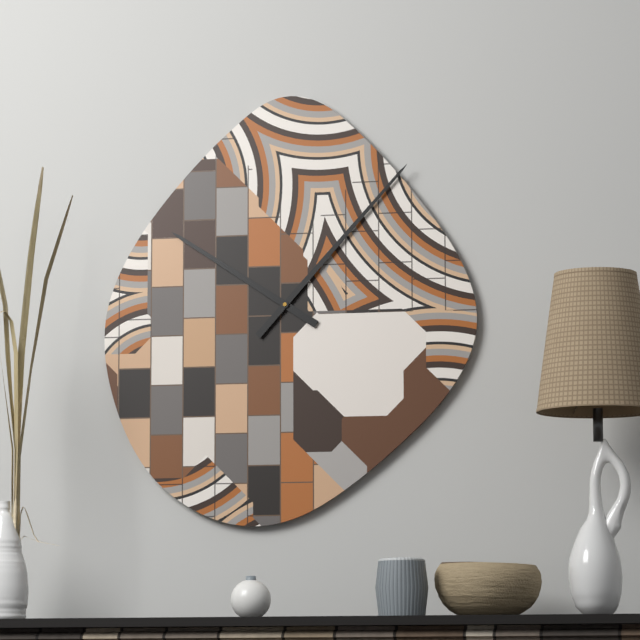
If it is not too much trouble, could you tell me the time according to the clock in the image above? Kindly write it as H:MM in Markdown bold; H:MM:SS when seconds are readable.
**10:07**
